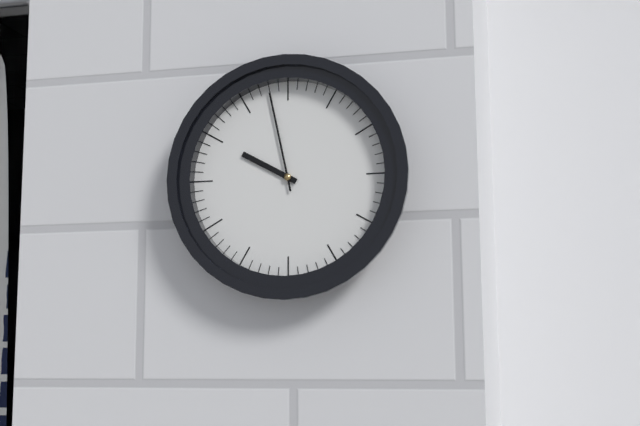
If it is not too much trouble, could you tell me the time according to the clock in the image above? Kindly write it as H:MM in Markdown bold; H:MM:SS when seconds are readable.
**9:58**
